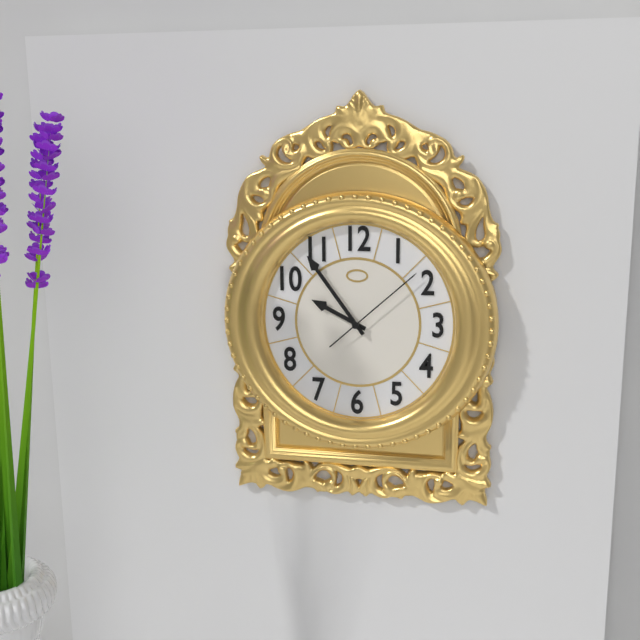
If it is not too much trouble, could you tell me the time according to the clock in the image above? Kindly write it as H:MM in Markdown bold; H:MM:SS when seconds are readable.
**9:54:08**
